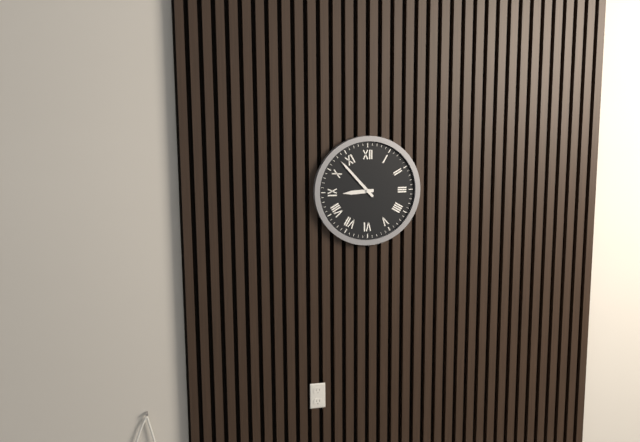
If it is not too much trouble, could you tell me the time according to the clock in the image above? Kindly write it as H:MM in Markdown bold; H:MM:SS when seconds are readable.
**8:53**
